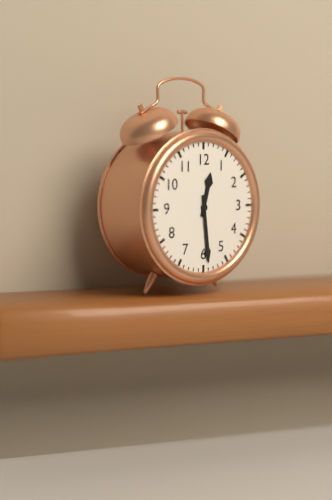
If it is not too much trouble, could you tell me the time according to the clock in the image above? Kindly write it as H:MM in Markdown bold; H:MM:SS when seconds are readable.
**12:29**
